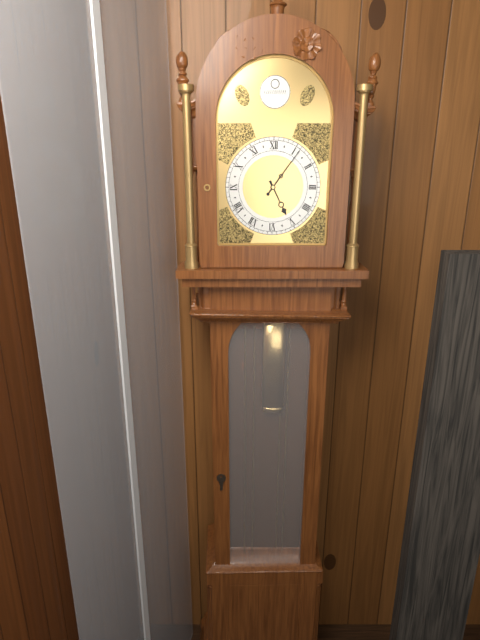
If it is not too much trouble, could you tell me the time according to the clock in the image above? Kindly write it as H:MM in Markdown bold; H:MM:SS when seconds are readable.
**5:06**
